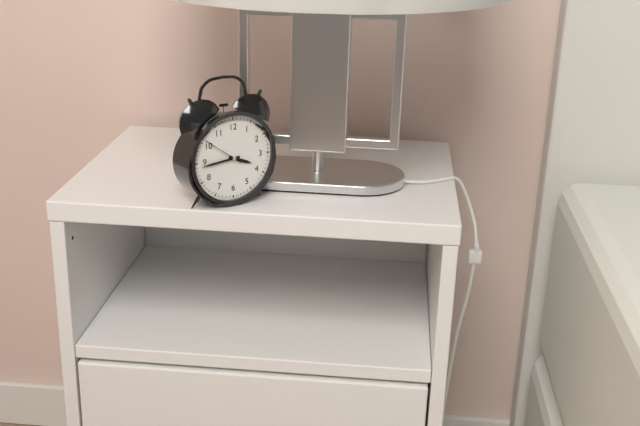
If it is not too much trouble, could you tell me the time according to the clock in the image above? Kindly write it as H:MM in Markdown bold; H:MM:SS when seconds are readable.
**3:44**
